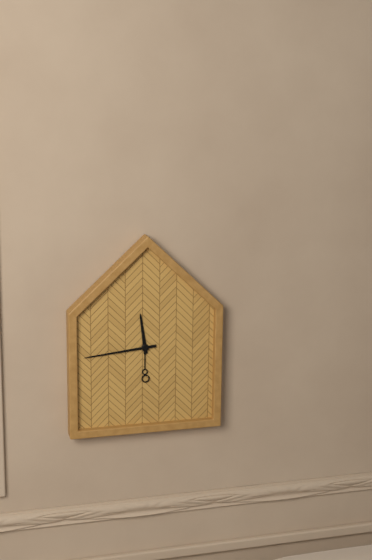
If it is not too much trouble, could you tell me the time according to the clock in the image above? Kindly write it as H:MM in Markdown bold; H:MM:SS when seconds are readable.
**11:44**
